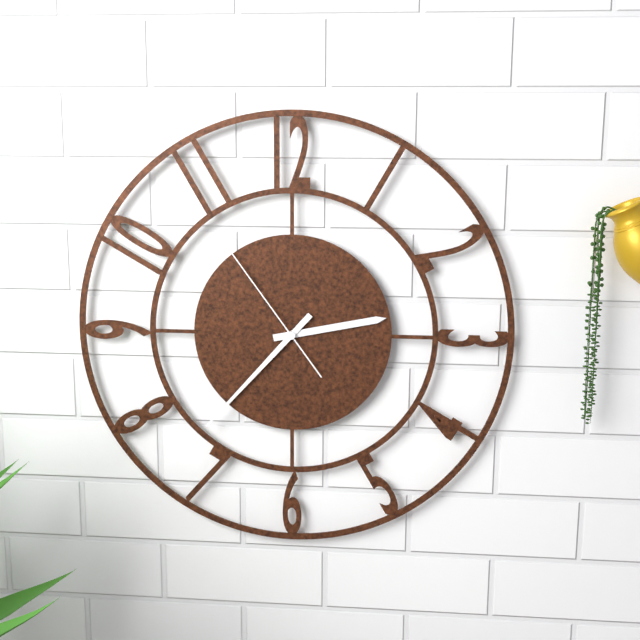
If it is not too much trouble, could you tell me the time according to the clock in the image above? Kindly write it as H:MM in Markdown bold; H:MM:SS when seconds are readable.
**2:37:54**
